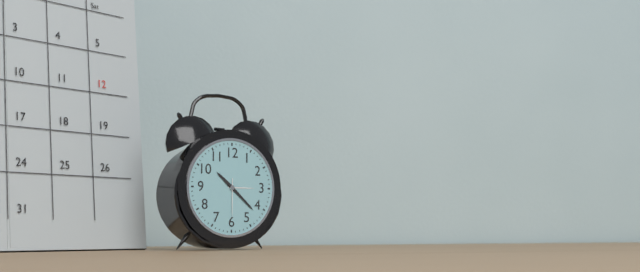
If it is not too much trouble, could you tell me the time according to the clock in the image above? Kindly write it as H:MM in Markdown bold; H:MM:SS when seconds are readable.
**10:22**
